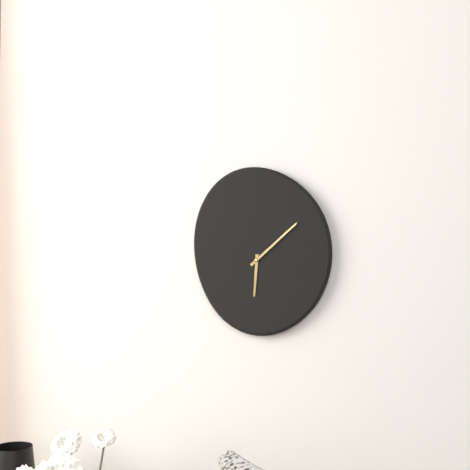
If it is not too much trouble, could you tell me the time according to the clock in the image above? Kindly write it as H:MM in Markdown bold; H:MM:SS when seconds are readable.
**6:08**
